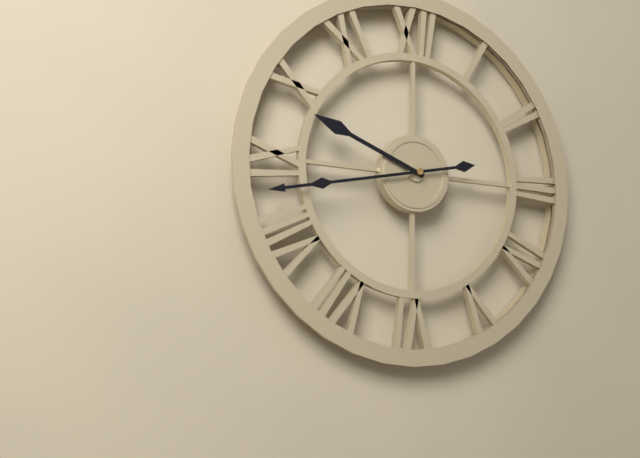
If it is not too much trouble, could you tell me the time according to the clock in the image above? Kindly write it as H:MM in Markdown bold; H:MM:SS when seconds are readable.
**9:43**
